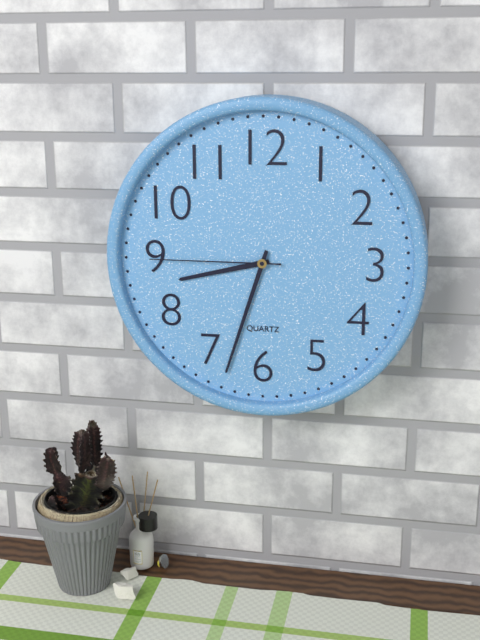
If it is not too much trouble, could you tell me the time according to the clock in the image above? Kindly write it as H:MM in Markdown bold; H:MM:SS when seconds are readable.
**8:33:45**
